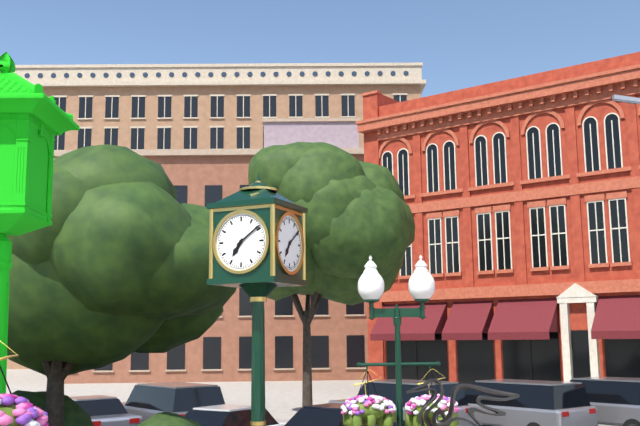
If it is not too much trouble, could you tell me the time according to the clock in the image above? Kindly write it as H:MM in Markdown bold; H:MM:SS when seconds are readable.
**7:09**
